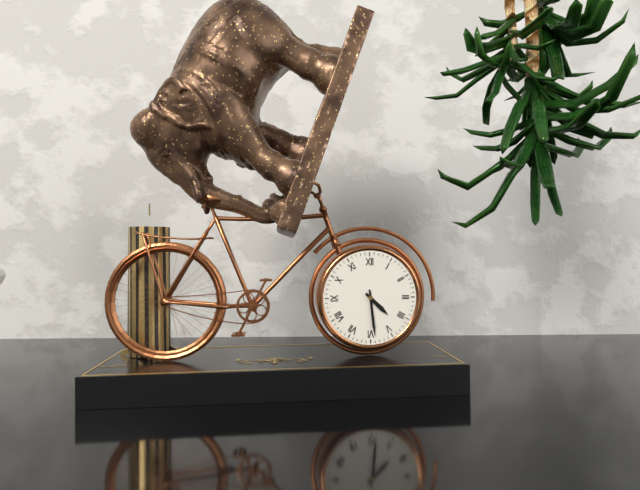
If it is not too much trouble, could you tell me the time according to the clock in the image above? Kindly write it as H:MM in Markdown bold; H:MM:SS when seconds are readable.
**4:29**
